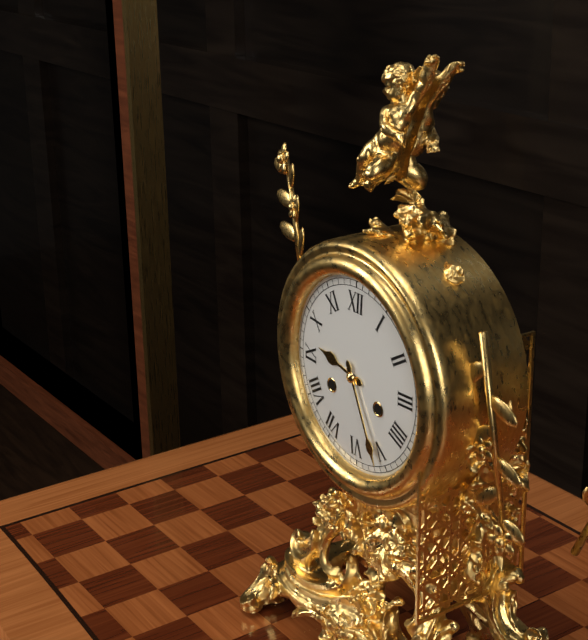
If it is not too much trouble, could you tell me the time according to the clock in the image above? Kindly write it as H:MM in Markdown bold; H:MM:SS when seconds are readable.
**9:26**
